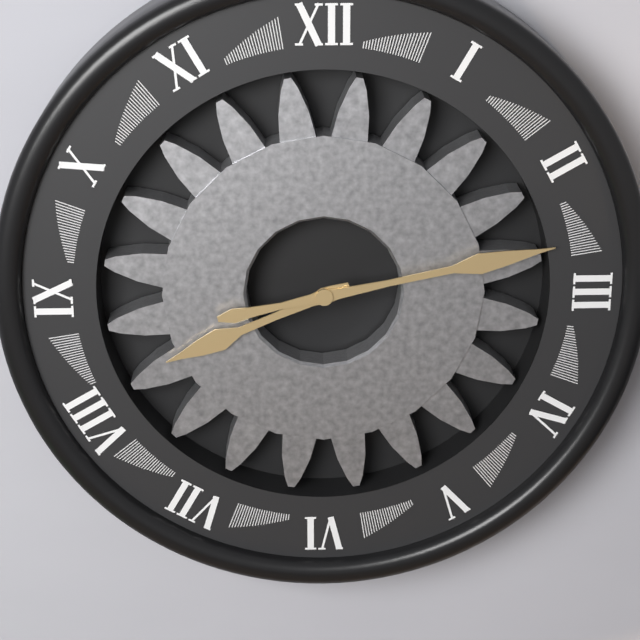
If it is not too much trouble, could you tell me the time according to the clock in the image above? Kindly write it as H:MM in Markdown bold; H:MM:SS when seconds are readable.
**8:13**
